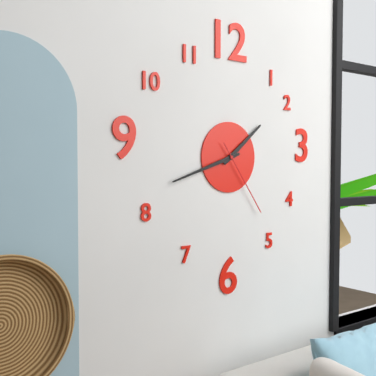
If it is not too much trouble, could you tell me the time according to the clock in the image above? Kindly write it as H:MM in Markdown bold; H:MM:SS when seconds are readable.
**1:42:24**
